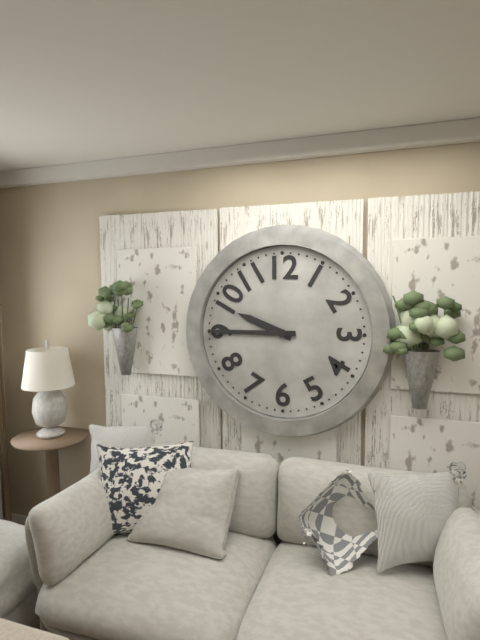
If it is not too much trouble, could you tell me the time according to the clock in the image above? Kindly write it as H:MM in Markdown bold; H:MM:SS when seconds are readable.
**9:45**
